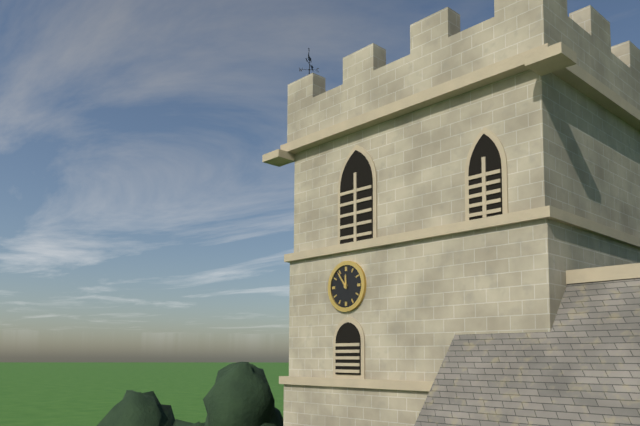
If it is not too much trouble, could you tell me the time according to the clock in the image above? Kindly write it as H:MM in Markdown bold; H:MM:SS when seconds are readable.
**11:54**
